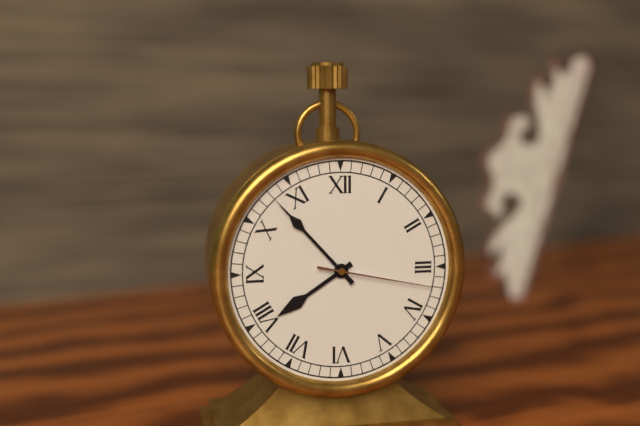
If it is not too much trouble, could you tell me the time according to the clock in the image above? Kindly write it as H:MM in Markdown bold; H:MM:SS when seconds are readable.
**7:53:17**
